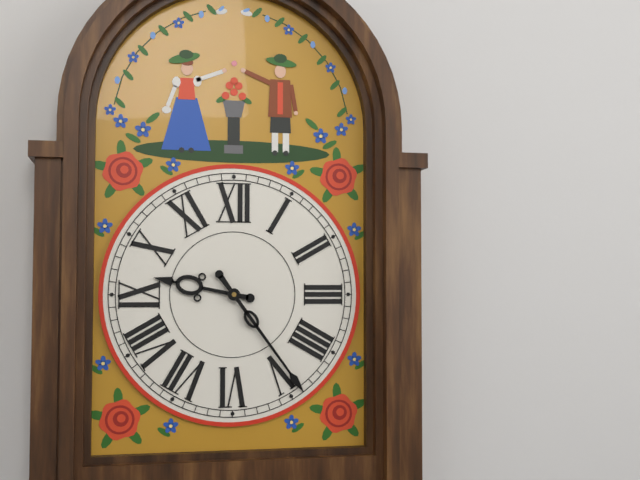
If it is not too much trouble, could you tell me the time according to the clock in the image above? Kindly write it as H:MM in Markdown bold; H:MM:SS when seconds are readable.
**9:24**
